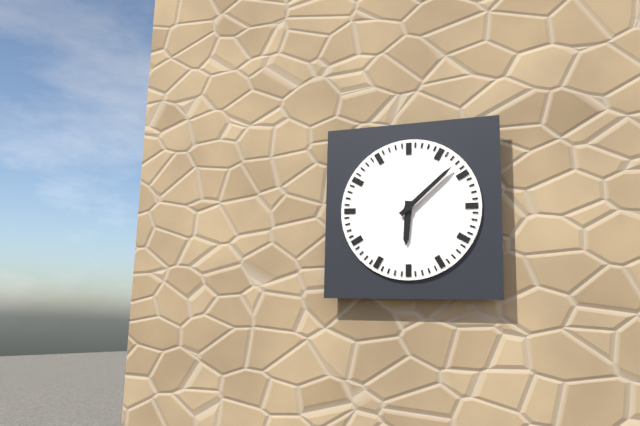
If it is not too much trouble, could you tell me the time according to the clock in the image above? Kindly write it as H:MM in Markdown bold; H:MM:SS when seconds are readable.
**6:08**
